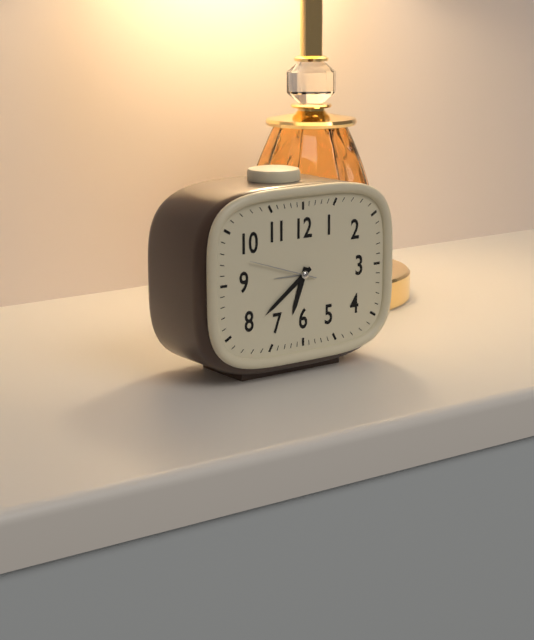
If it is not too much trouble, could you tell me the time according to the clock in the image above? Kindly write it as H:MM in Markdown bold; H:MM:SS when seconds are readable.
**6:39:48**
